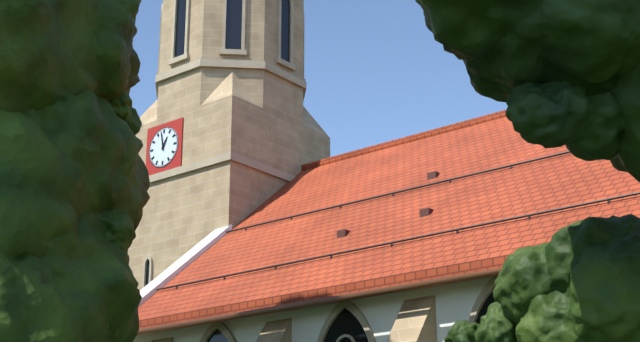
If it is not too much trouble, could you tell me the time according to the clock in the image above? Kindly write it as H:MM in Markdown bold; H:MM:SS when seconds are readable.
**12:58**
